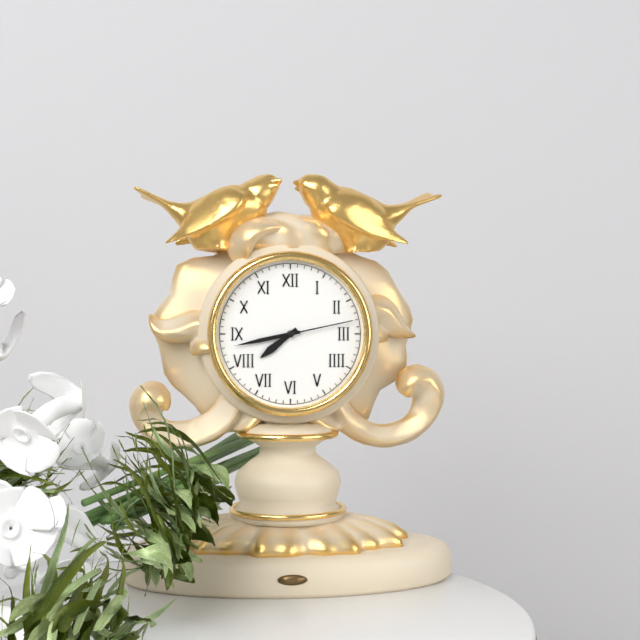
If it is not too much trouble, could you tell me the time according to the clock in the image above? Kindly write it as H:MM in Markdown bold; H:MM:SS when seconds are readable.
**7:43:13**
